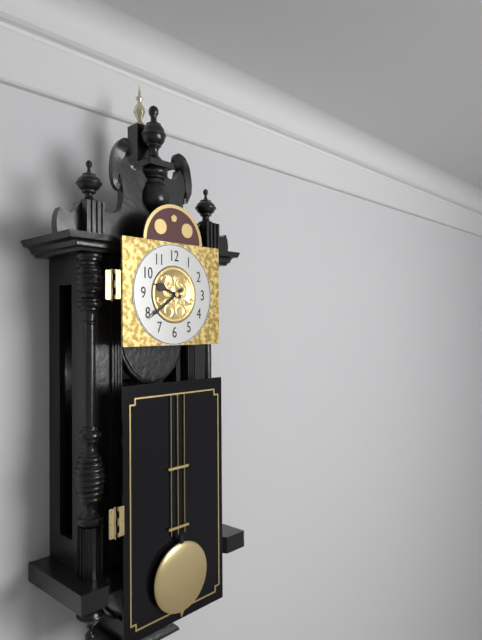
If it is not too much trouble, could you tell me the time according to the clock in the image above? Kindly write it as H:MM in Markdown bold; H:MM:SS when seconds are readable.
**9:39**
